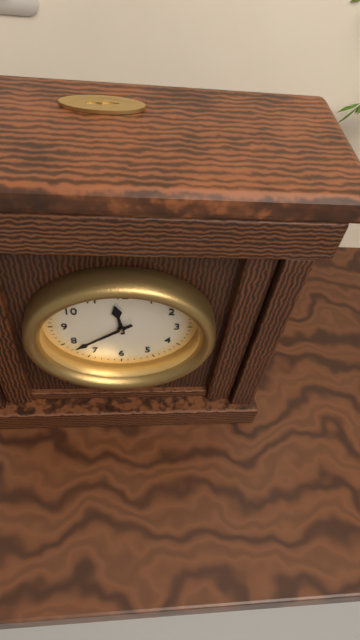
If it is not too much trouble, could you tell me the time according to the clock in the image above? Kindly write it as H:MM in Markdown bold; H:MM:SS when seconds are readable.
**11:39**
